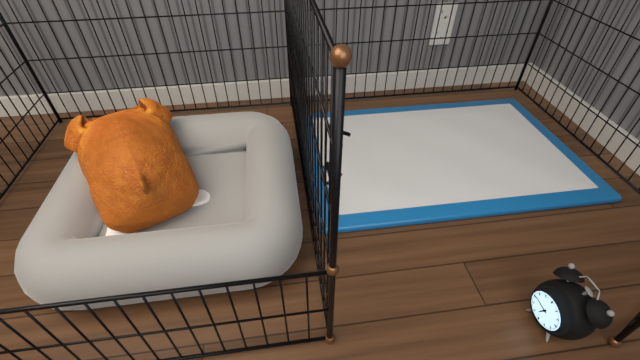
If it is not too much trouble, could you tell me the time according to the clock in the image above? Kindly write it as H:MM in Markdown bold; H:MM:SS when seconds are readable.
**6:46**
